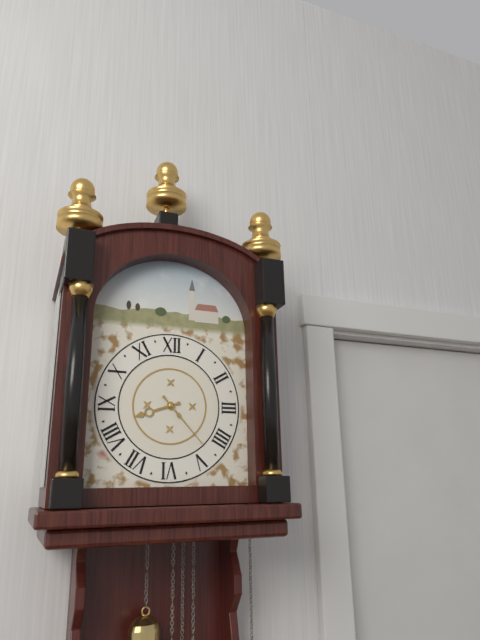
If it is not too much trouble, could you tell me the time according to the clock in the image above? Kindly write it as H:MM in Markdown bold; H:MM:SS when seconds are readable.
**8:23**
